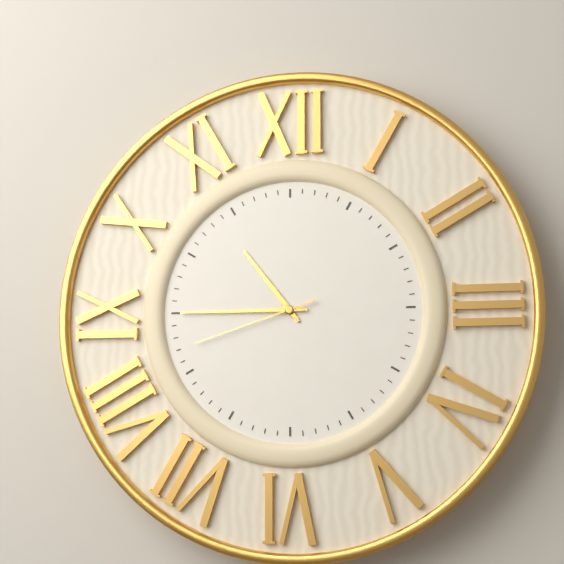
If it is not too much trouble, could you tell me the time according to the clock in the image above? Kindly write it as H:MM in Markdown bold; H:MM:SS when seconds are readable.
**10:45:42**
